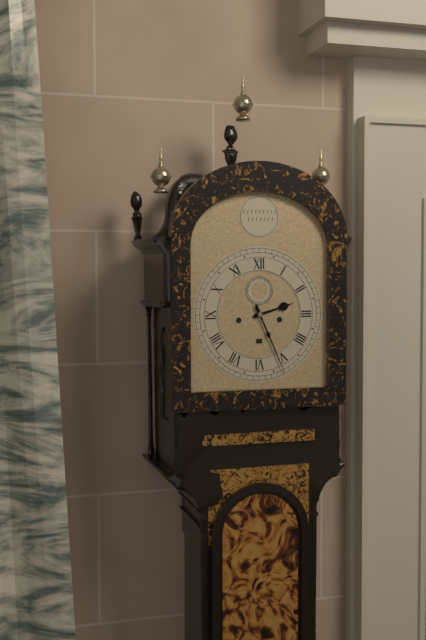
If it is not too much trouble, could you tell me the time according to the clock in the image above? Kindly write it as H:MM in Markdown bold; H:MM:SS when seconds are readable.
**2:26**
